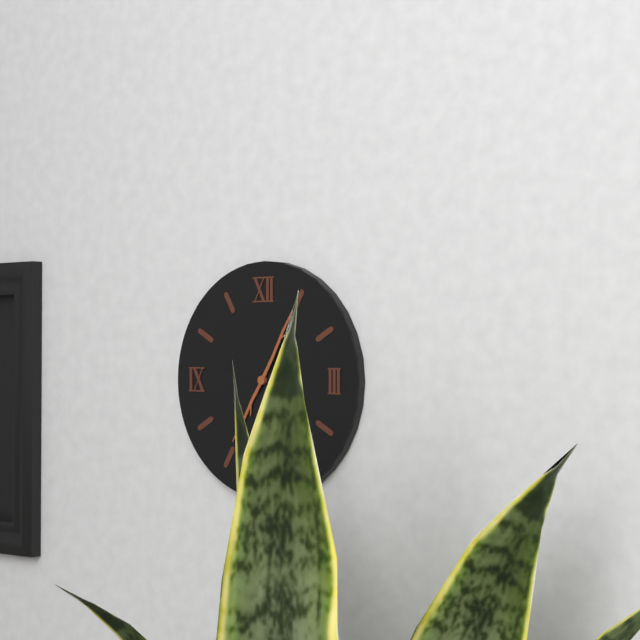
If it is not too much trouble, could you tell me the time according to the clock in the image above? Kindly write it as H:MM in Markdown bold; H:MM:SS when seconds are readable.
**7:05**
